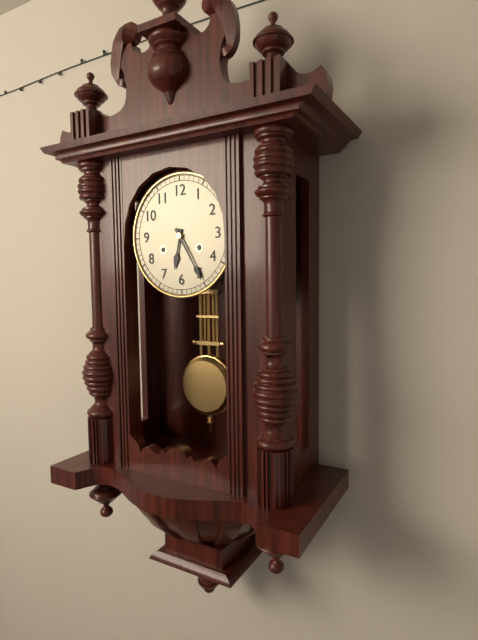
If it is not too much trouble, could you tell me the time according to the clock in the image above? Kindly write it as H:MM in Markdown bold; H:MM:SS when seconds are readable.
**6:25**
